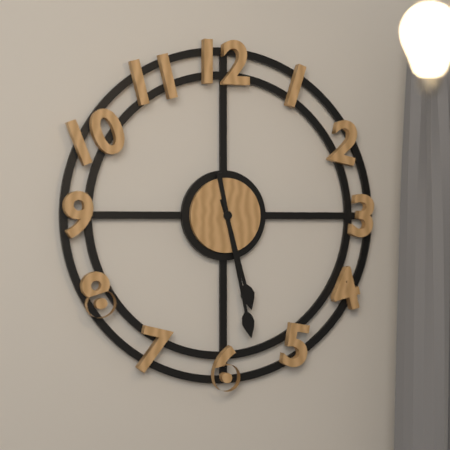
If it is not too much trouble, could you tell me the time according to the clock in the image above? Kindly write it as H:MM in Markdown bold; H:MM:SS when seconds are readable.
**5:28**
